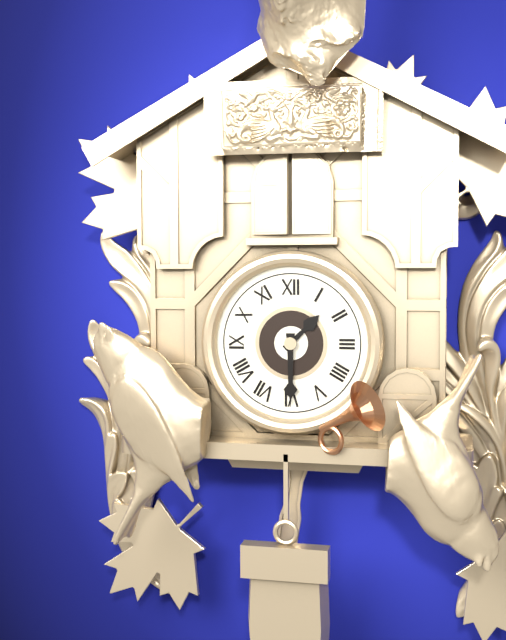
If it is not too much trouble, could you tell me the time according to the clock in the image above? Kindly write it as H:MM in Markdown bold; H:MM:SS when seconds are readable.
**1:30**
